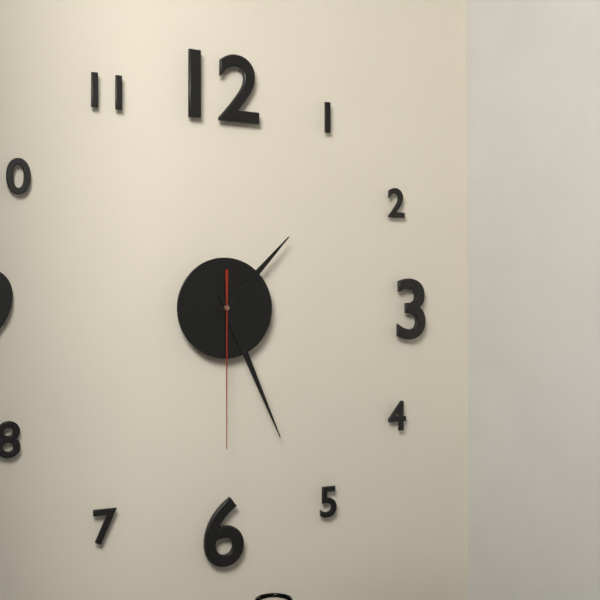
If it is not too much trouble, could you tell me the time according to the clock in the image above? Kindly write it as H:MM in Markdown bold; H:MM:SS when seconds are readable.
**1:26:30**
